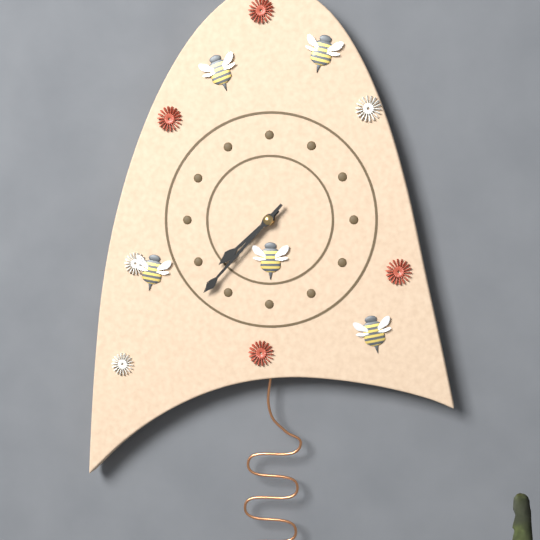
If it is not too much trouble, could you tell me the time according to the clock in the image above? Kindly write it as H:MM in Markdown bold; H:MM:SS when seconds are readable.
**7:37**
